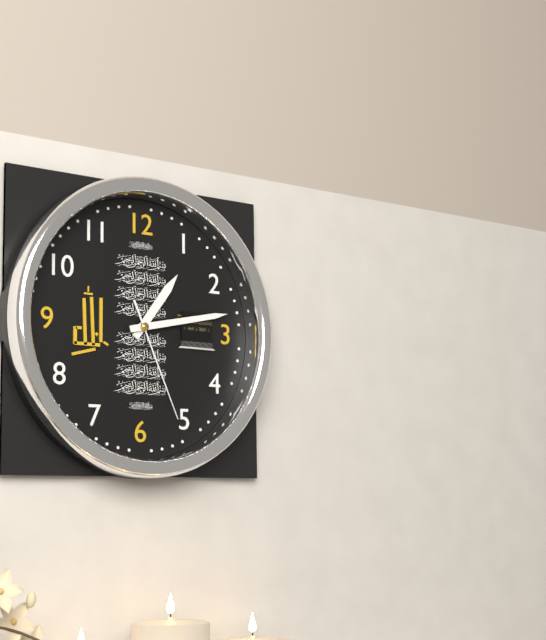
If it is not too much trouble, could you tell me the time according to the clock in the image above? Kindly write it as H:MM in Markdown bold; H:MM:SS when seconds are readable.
**1:13:26**
